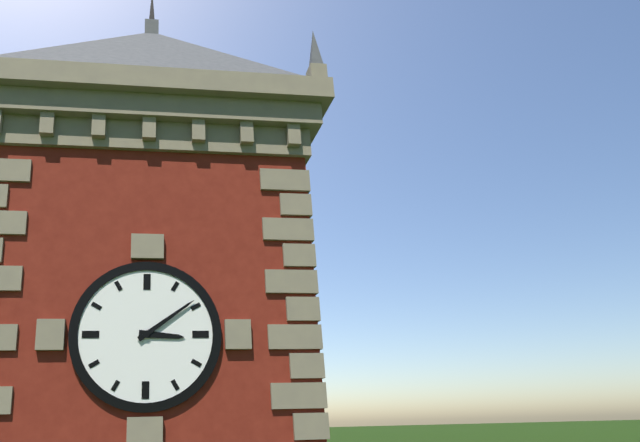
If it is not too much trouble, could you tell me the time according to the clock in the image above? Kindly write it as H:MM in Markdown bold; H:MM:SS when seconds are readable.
**3:09**
